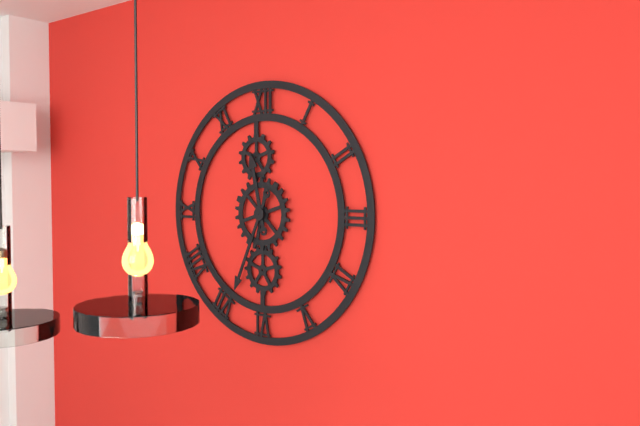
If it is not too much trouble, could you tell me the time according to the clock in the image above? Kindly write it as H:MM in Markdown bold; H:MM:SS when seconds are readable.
**11:34**
